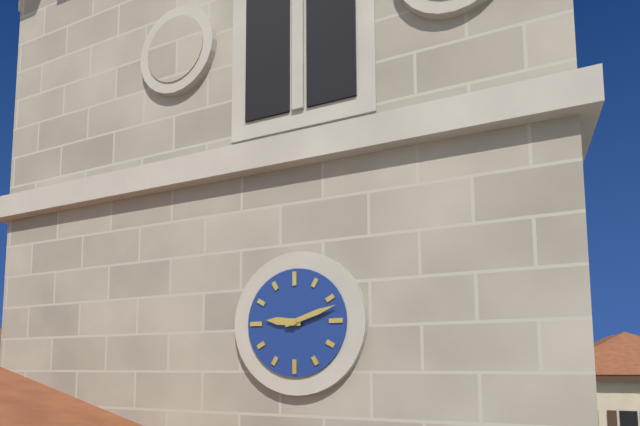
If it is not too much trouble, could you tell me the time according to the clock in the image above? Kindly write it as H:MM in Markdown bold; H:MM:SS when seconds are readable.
**9:12**
